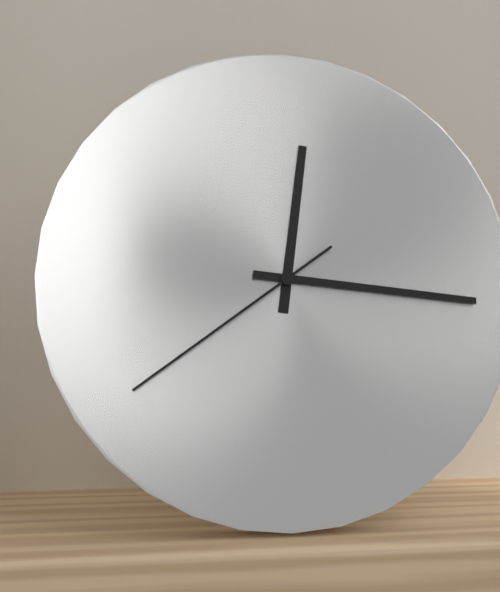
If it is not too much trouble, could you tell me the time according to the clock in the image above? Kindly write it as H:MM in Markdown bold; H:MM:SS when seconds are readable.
**12:16:39**
